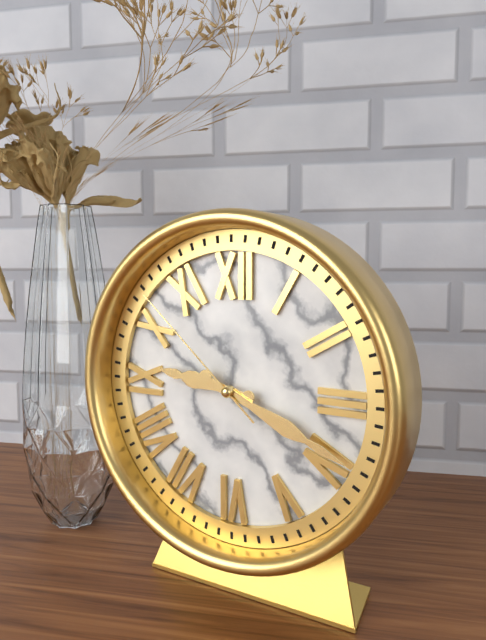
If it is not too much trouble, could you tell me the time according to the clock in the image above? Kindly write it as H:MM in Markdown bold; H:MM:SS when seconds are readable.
**9:19:52**
